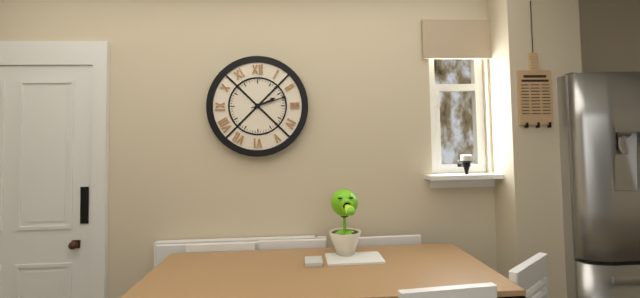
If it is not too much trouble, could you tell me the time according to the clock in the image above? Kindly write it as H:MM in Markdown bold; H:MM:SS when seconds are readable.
**2:12**
